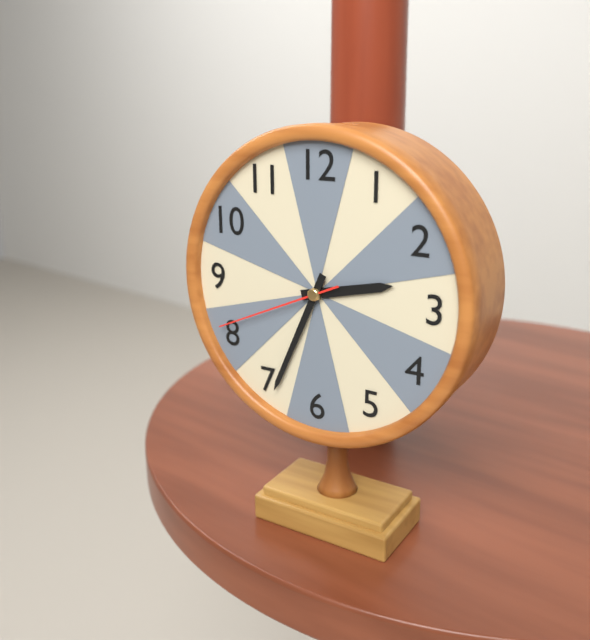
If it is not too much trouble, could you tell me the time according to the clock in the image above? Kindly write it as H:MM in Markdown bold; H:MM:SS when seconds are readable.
**2:34:41**
